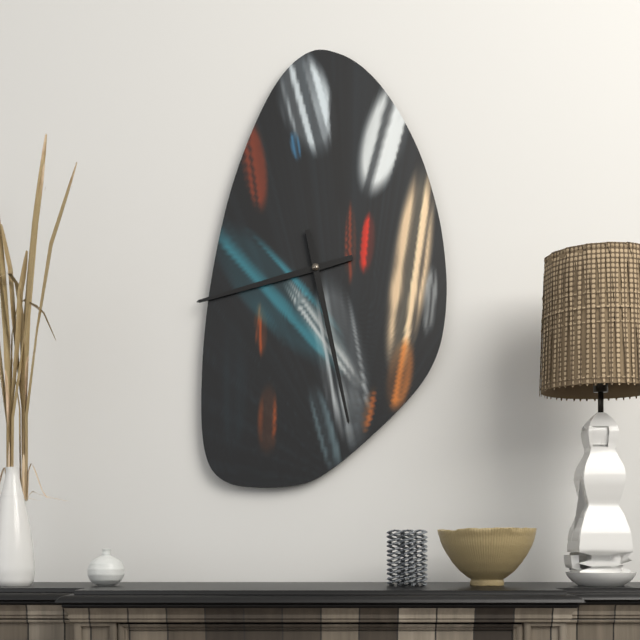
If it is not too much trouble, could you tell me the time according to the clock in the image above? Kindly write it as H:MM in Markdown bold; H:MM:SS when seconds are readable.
**8:28**
